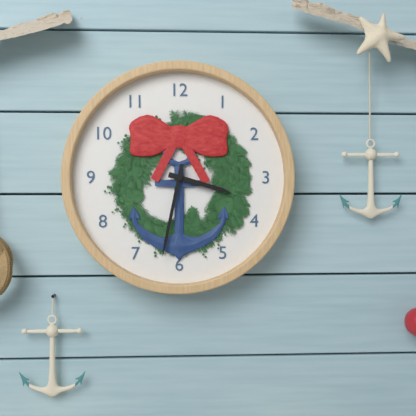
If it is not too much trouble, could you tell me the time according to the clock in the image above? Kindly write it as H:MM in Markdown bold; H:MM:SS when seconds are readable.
**3:32**
